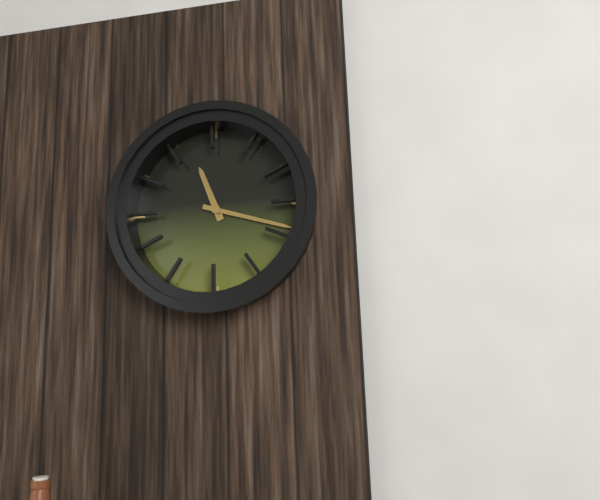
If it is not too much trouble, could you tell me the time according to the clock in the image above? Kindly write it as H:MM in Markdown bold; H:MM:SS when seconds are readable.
**11:18**
